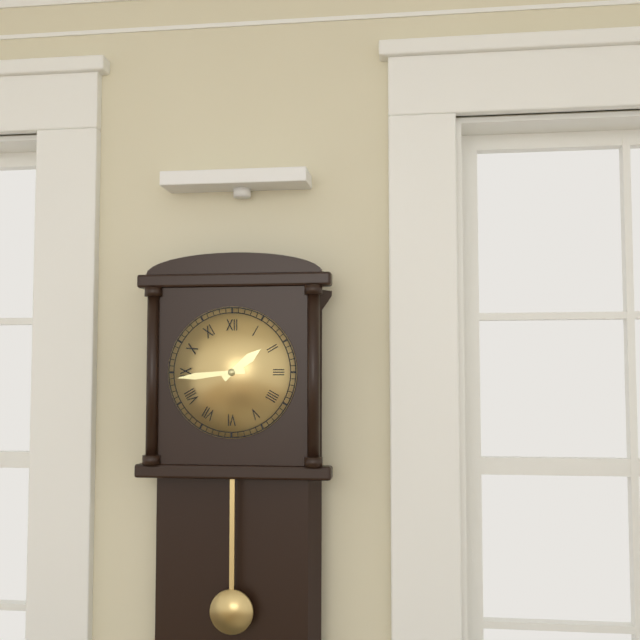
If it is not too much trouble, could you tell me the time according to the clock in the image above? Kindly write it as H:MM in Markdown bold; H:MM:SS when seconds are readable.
**1:44**
